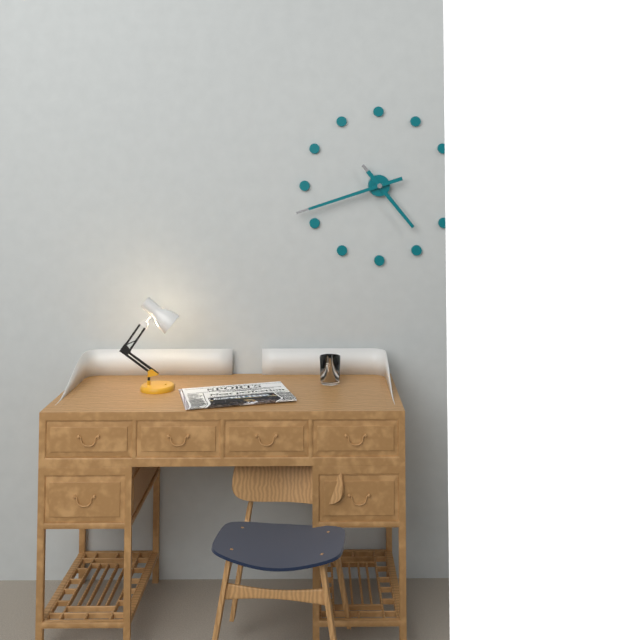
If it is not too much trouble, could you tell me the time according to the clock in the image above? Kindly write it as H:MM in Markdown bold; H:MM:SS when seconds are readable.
**4:42**
